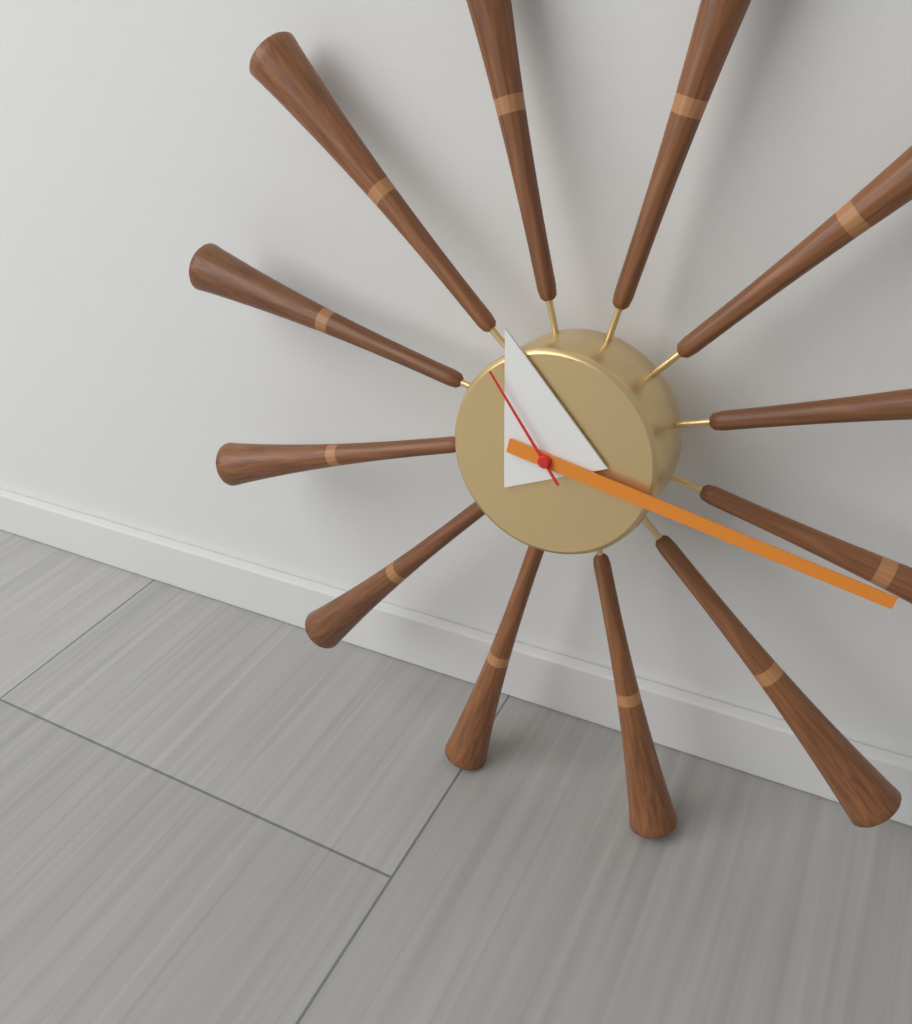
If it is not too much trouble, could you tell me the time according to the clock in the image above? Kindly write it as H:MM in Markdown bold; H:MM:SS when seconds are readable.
**11:17:54**
